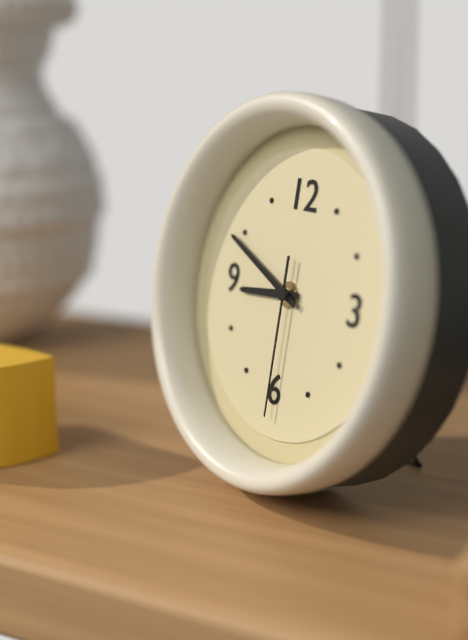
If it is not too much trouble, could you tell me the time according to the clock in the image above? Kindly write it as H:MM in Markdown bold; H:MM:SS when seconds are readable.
**8:49:30**
